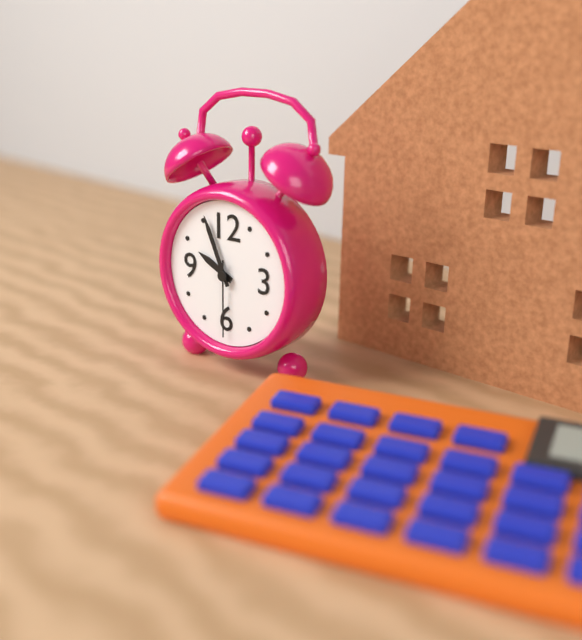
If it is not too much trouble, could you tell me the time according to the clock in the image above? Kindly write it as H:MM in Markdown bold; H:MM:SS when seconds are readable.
**9:56:30**
